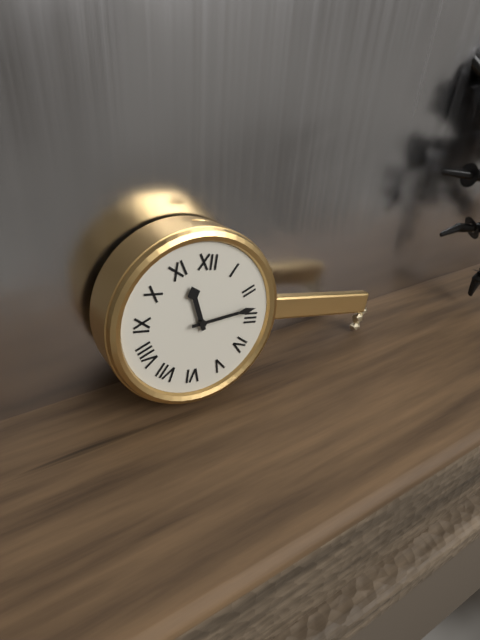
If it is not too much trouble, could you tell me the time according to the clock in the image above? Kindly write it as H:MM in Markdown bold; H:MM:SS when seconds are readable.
**11:13**
